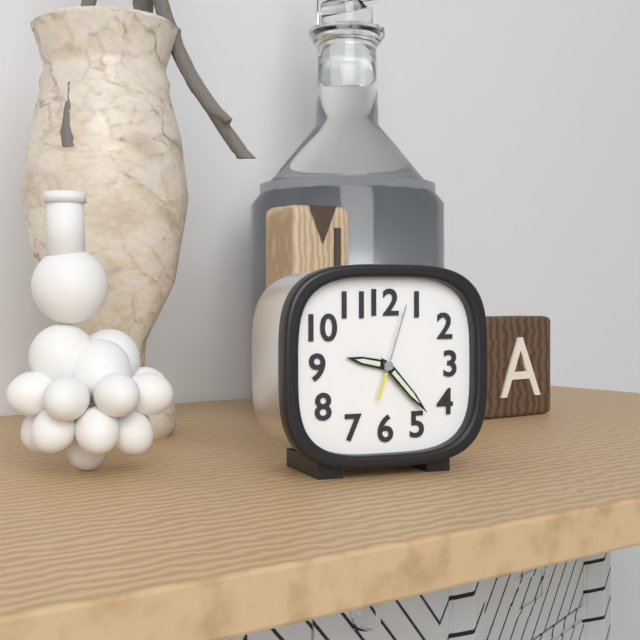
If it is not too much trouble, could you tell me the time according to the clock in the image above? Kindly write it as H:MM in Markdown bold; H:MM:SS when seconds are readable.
**9:23:03**
